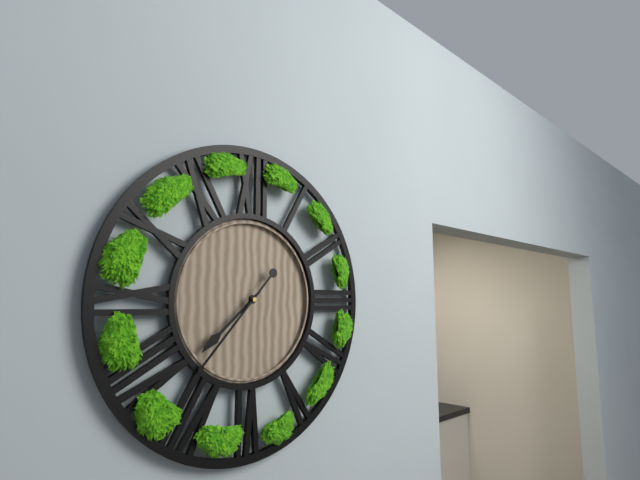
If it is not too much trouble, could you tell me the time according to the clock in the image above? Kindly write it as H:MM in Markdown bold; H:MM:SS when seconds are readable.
**7:37**
